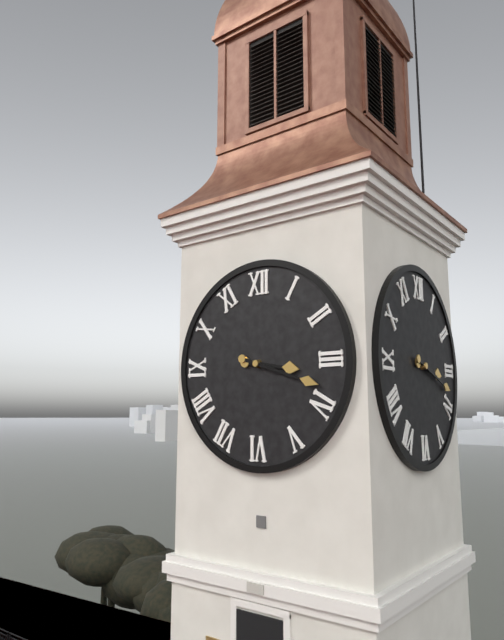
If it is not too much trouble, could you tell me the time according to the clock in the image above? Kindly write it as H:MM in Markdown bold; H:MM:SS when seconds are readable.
**3:18**
